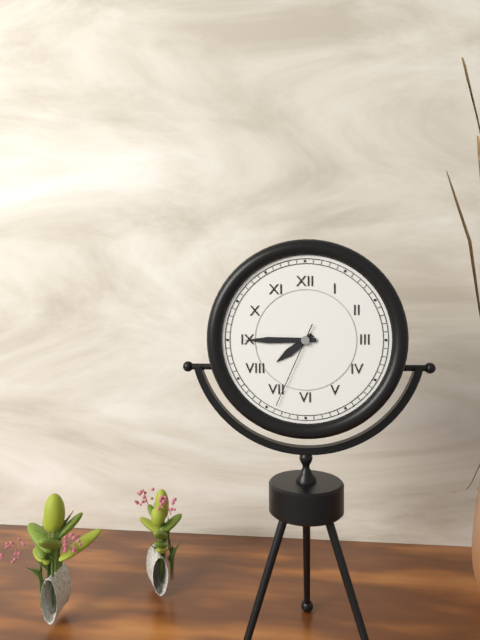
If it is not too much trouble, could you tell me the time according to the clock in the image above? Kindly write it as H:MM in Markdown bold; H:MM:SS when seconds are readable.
**7:45:34**
